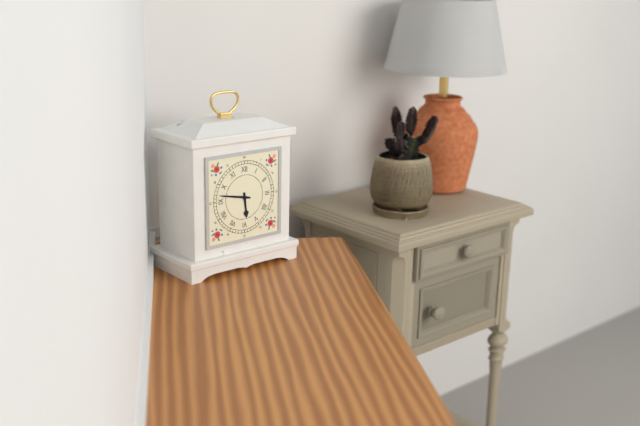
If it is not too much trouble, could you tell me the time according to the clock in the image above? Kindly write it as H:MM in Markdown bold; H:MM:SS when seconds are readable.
**5:47**
